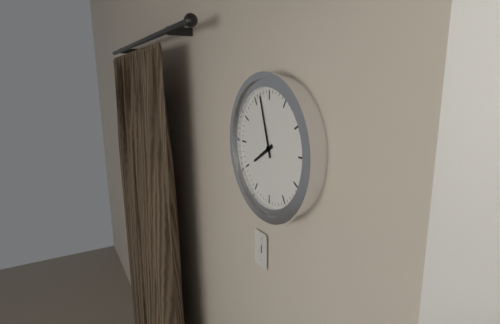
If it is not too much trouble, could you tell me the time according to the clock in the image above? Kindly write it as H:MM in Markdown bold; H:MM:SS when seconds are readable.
**7:57**
